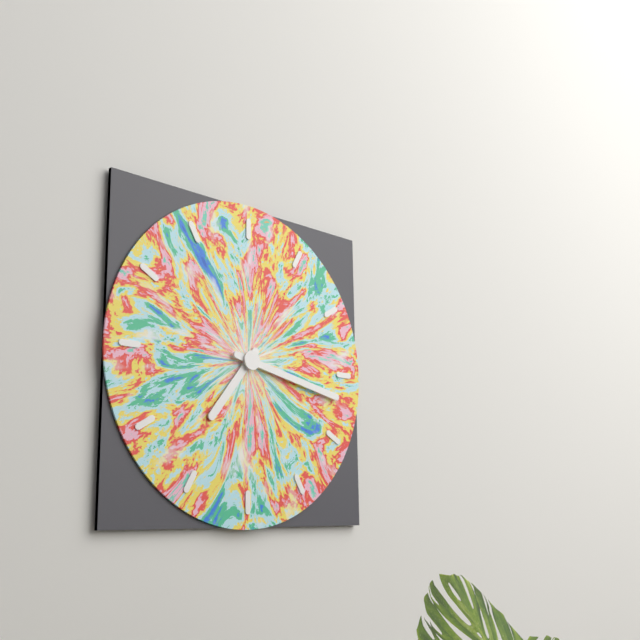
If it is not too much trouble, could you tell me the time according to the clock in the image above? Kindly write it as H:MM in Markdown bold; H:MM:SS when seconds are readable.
**7:17**
